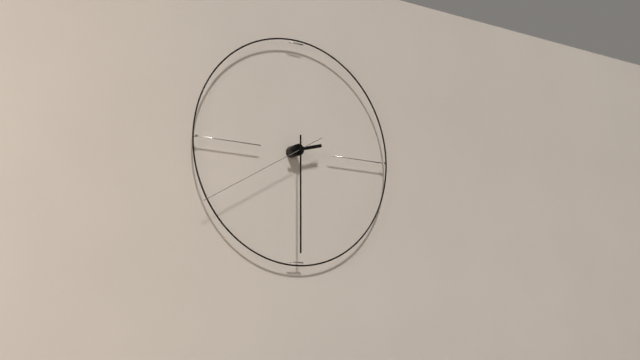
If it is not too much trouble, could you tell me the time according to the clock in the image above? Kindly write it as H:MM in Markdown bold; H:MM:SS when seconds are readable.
**2:30:40**
